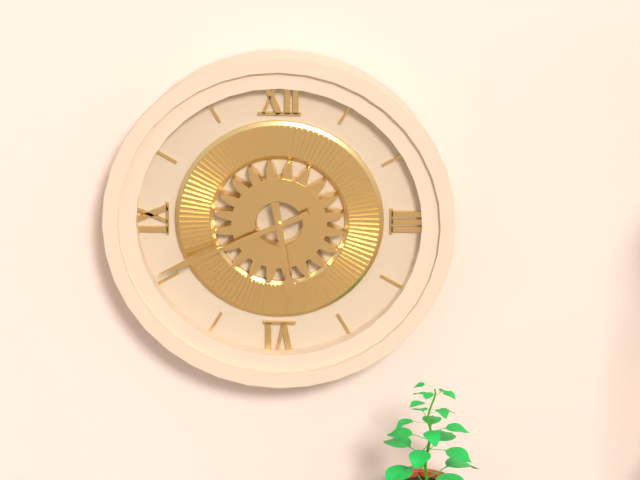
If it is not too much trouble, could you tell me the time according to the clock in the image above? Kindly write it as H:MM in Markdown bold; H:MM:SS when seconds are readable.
**5:41**
